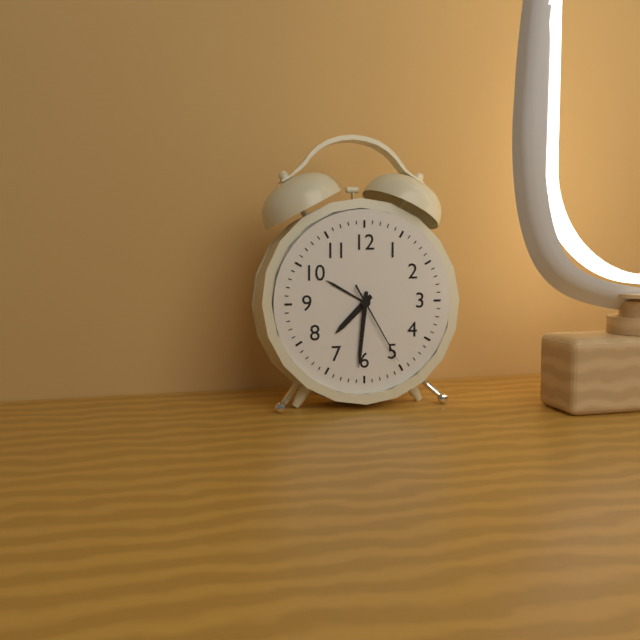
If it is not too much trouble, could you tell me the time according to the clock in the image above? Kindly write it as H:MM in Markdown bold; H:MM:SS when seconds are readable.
**7:31:25**
